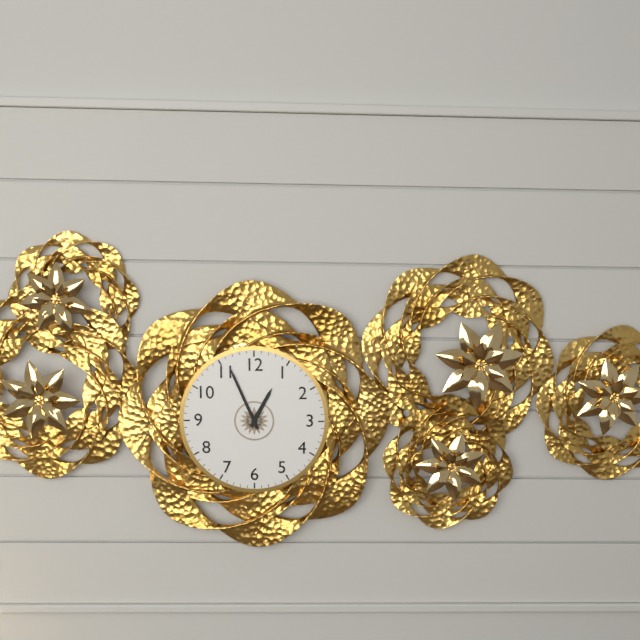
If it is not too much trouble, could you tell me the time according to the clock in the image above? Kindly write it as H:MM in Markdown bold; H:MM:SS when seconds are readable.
**12:56**
